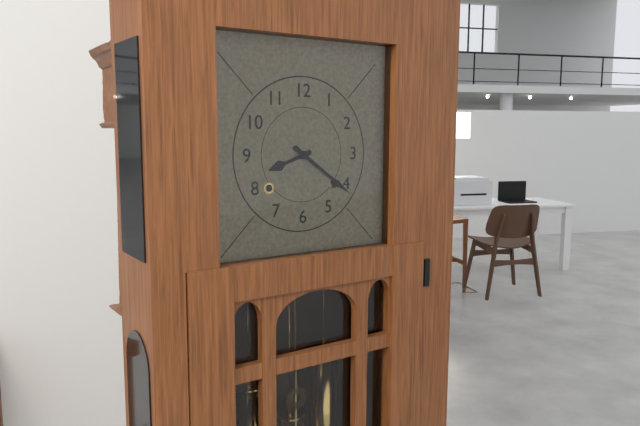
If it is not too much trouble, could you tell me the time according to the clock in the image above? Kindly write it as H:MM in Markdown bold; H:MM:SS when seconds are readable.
**8:21**
